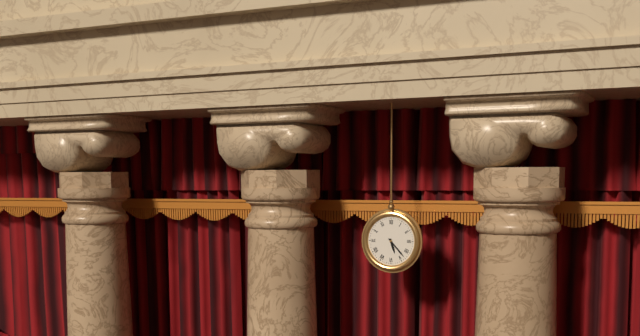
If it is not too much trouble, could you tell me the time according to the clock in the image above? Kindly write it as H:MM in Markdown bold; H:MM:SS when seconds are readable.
**5:23**
